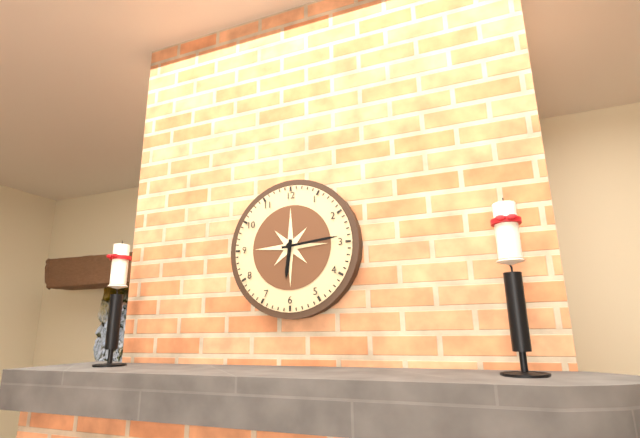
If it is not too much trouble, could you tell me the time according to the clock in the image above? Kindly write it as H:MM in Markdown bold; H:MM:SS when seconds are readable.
**6:14**
